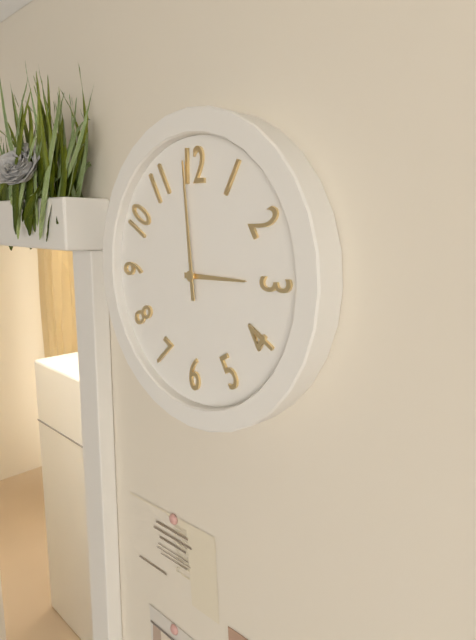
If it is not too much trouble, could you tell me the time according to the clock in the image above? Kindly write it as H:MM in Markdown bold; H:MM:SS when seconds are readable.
**2:59**
